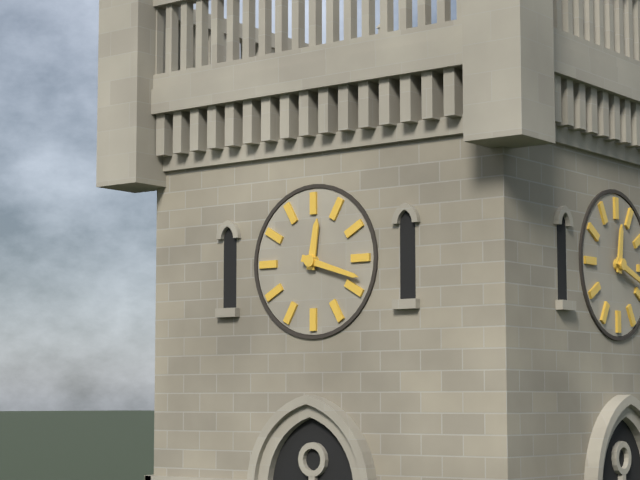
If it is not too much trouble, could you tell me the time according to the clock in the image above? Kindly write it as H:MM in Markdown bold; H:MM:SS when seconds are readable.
**12:18**
